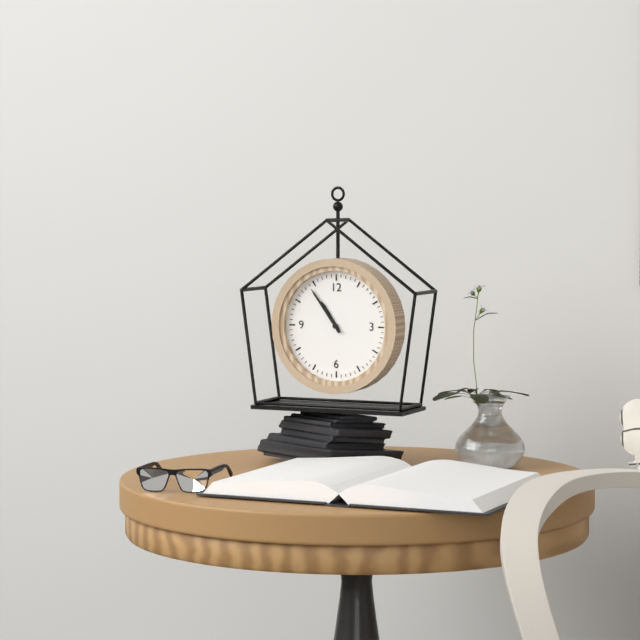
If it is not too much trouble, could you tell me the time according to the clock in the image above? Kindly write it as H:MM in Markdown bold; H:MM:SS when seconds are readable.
**10:54**
